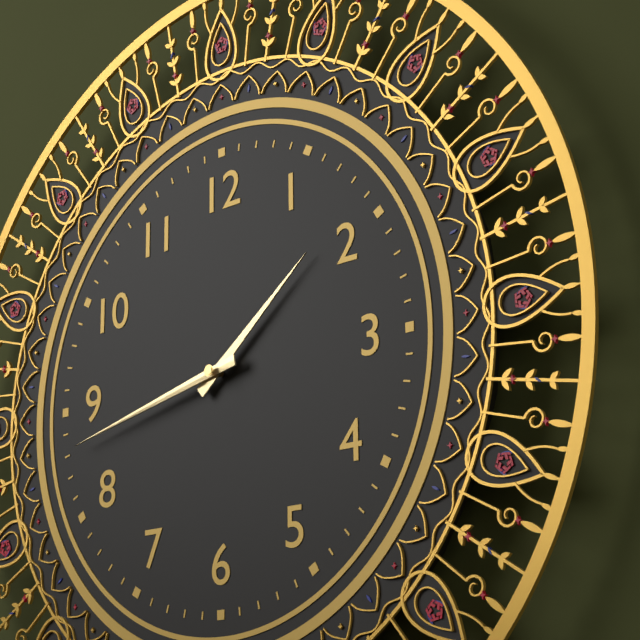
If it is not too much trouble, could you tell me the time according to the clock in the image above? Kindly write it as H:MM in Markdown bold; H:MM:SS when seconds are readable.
**1:43**
